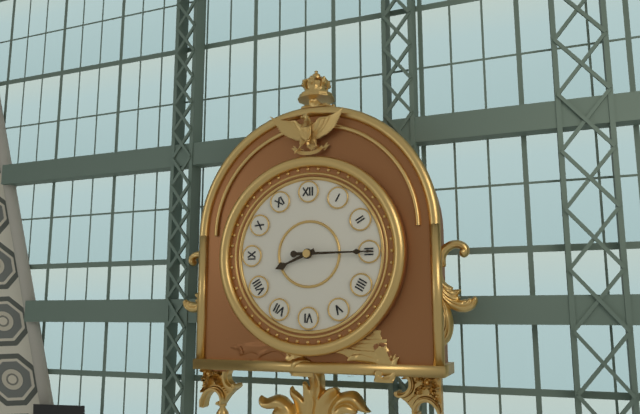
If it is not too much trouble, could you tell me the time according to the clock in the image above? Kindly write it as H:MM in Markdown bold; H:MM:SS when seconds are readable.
**8:15**
